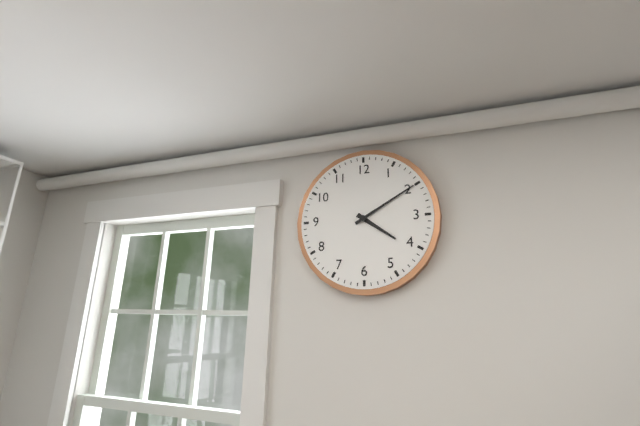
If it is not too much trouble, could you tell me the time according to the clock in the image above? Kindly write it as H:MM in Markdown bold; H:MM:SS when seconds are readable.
**4:10**
